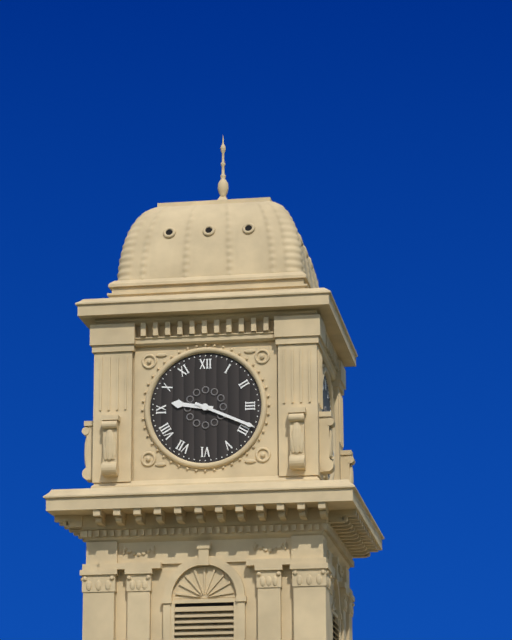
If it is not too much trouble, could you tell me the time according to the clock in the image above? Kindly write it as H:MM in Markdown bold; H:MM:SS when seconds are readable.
**9:19**
